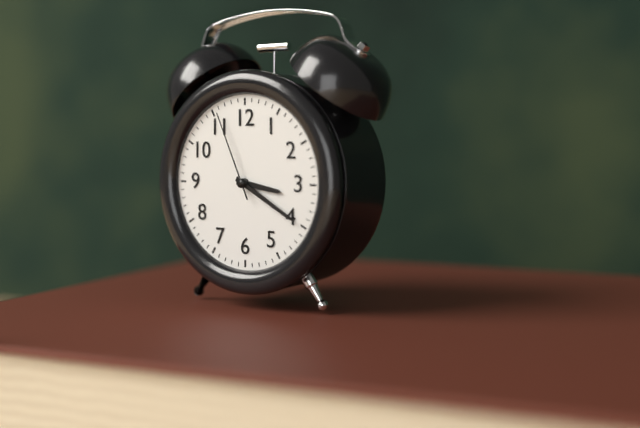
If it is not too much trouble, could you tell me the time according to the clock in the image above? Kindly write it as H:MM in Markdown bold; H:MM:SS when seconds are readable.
**3:20:56**
